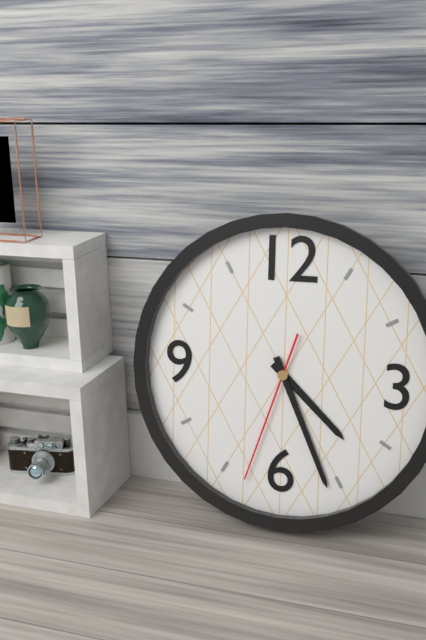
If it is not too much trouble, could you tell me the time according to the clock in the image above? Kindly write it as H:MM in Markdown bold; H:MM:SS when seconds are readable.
**4:26:33**
